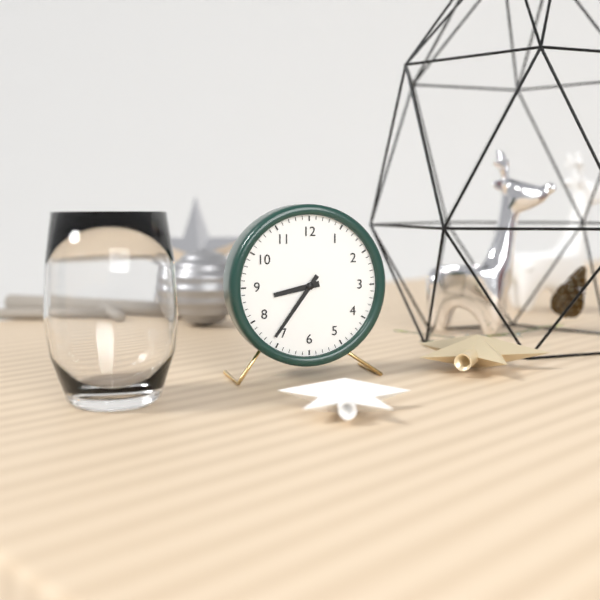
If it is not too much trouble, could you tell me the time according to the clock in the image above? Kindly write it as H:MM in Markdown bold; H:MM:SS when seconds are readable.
**8:36**
